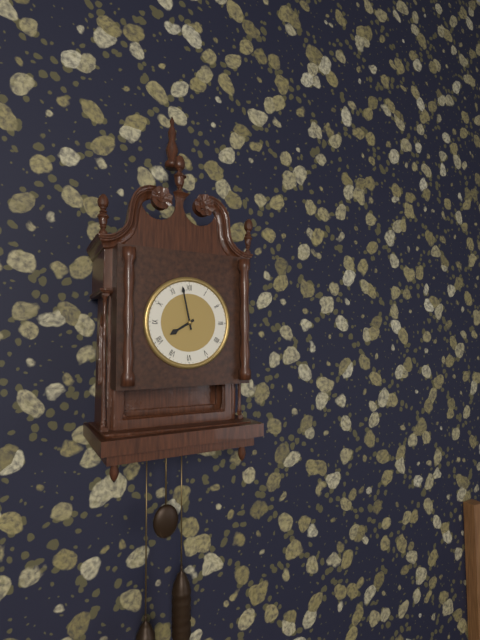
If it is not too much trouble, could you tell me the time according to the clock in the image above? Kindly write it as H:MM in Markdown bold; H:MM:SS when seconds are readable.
**7:58**
